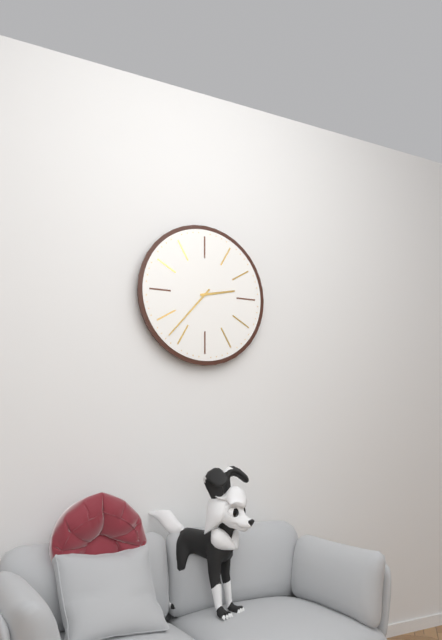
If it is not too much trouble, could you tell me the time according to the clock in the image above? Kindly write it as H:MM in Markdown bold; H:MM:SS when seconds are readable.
**2:37**
